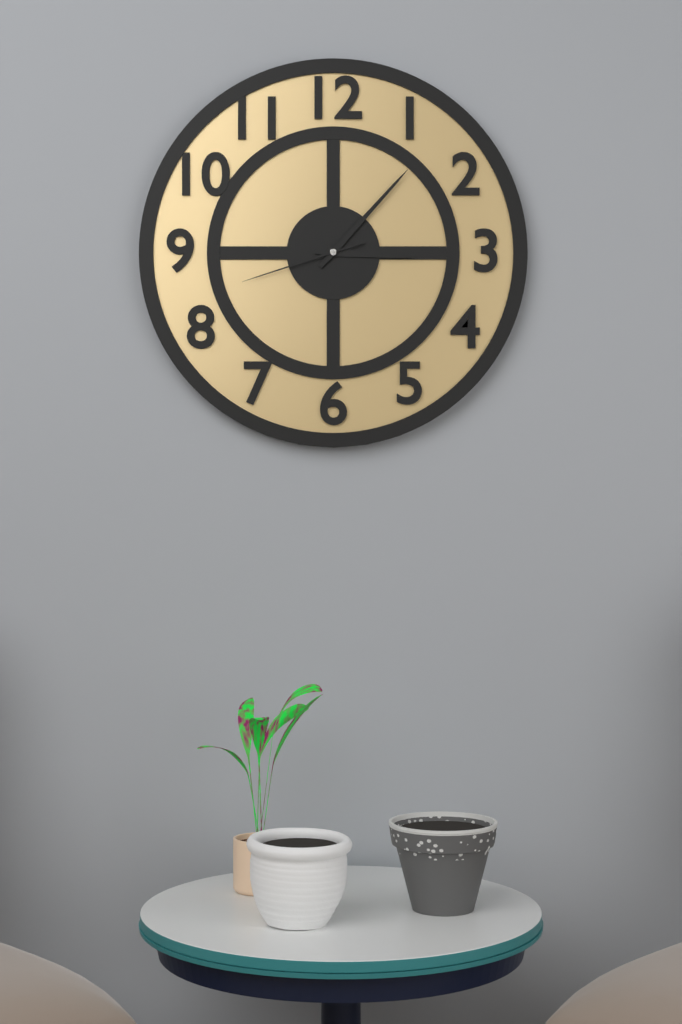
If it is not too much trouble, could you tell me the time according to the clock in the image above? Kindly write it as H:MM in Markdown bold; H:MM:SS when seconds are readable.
**3:07:42**
